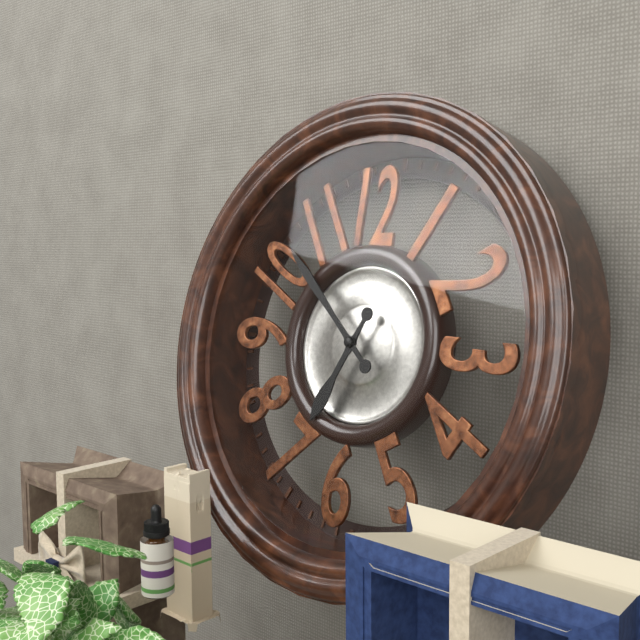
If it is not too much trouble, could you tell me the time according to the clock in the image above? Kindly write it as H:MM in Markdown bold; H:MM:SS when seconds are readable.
**6:52**
